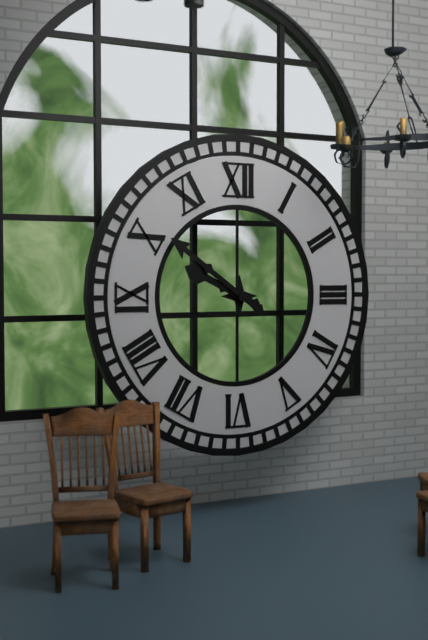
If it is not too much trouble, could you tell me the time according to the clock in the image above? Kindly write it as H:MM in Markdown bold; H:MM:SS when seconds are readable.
**9:51**
